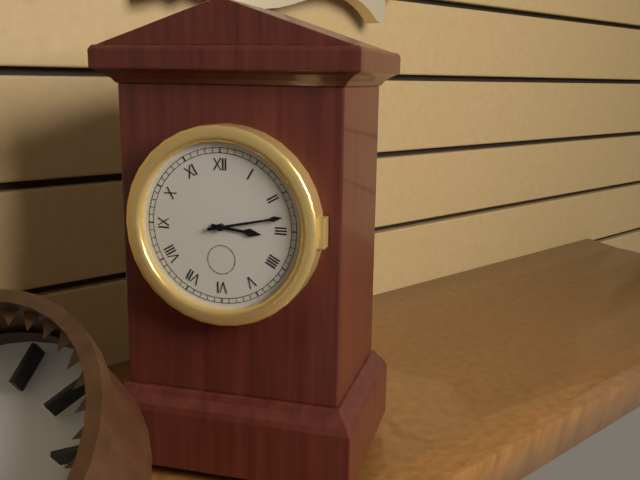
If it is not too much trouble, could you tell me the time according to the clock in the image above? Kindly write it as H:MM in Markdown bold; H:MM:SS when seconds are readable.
**3:13**
